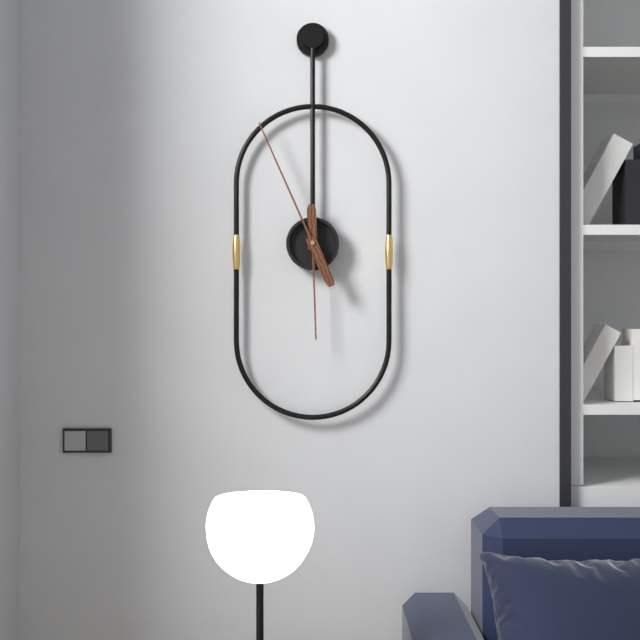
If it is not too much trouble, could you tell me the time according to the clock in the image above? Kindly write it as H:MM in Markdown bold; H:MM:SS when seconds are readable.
**5:56**
